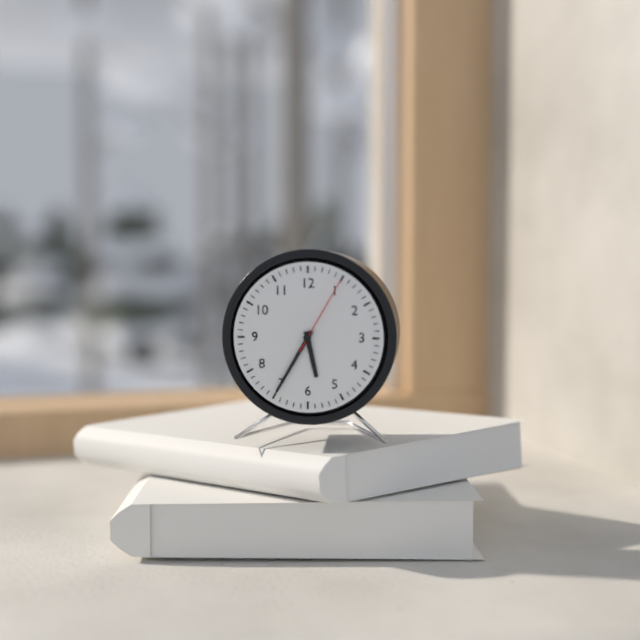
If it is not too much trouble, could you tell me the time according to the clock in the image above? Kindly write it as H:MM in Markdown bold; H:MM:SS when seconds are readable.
**5:35:05**
